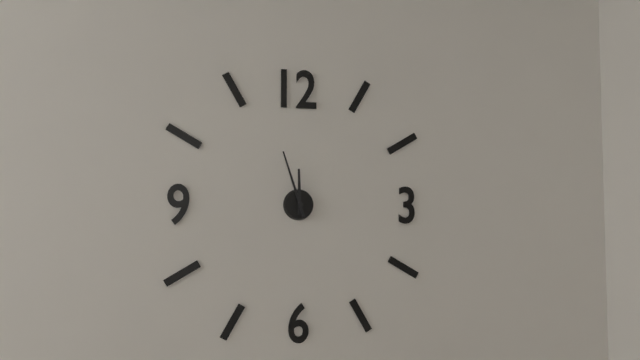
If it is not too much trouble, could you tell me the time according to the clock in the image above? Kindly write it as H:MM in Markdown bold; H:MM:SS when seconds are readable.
**11:57**
